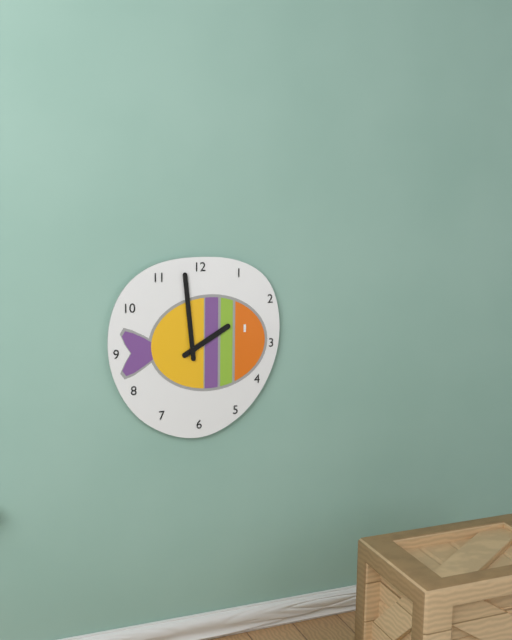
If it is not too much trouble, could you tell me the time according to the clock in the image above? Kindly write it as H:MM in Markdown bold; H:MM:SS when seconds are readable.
**1:59**
